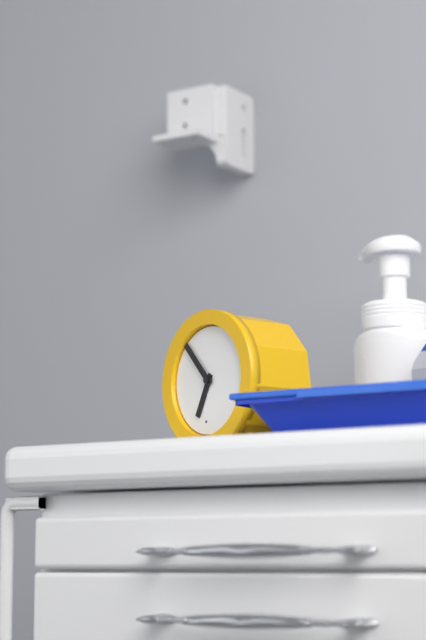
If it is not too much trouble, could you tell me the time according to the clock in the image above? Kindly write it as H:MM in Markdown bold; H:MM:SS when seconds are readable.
**6:53**
